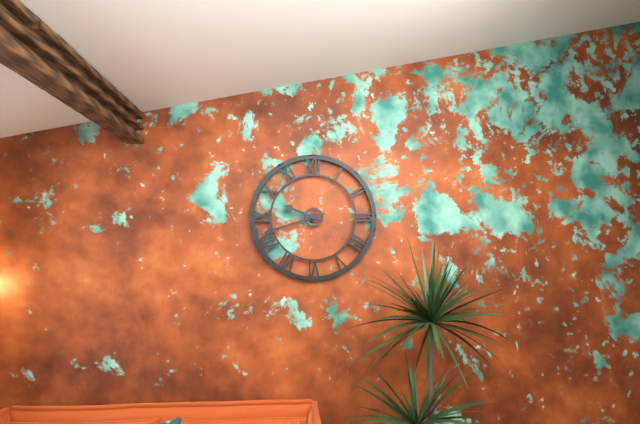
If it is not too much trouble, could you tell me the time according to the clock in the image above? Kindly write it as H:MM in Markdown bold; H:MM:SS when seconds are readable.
**9:42**
